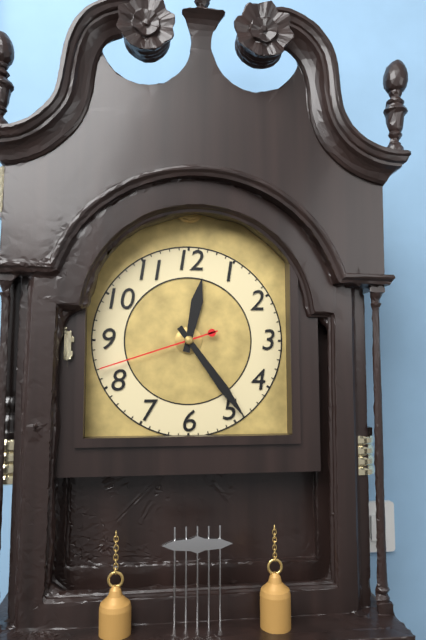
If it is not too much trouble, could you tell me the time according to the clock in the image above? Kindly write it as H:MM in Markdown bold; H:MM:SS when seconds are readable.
**12:24:42**
